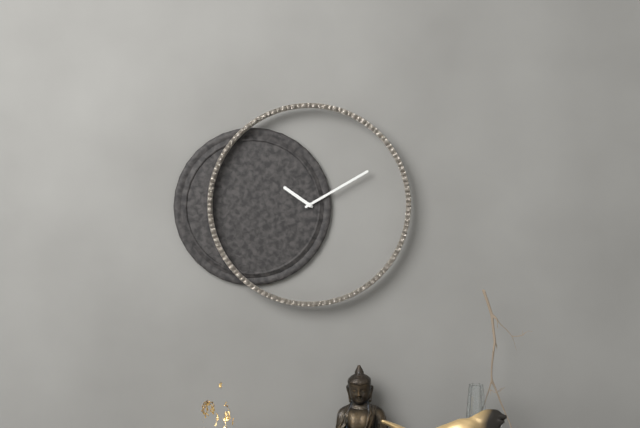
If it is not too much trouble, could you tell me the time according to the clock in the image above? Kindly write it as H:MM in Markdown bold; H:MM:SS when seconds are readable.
**10:10**
